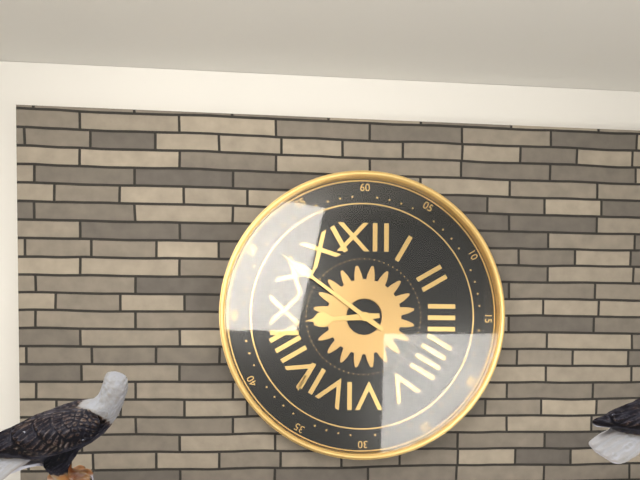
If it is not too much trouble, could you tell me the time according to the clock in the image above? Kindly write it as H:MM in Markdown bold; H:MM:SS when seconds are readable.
**8:51**
